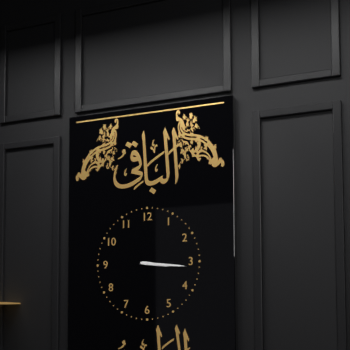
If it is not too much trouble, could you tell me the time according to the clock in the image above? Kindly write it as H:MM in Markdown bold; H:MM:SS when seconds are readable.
**3:16**
